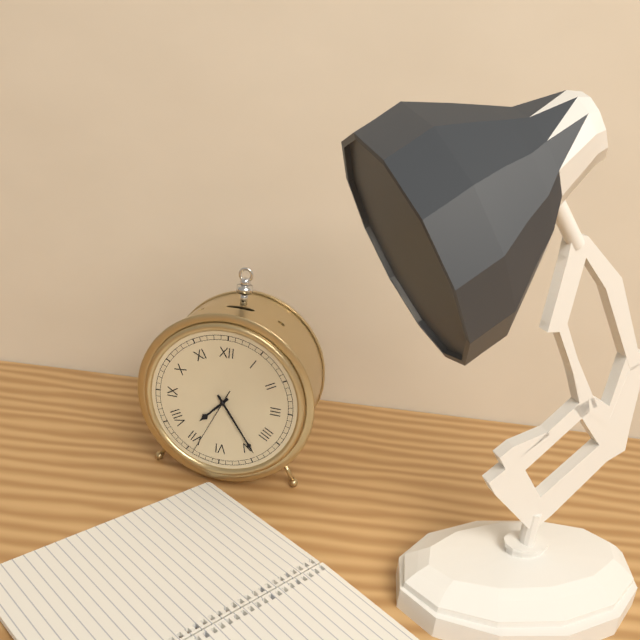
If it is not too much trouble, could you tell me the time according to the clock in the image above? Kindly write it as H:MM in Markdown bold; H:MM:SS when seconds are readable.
**7:24:34**
